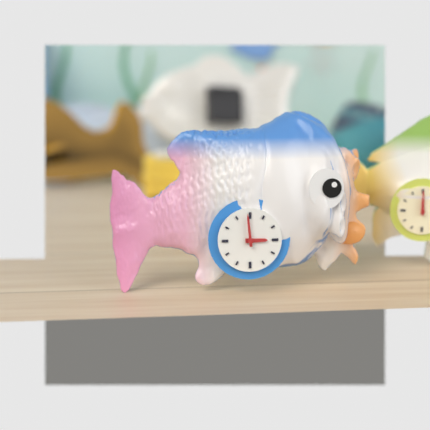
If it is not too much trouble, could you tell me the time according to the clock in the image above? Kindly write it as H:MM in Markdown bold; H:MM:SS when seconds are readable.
**2:59**
